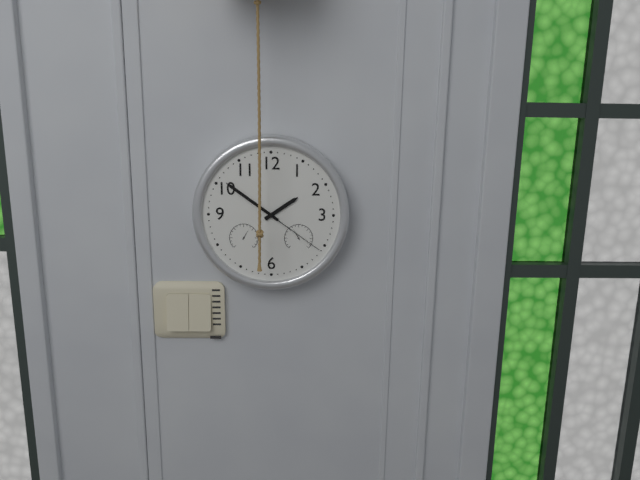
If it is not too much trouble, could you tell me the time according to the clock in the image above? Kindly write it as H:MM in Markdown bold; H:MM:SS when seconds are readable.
**1:51:21**
